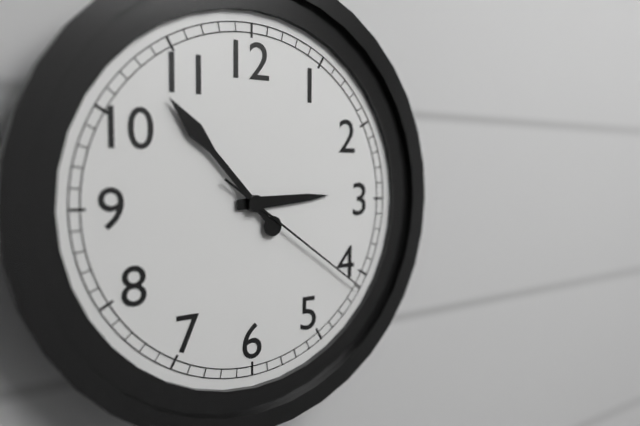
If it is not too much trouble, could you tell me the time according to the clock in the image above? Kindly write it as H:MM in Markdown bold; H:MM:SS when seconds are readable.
**2:53:21**
